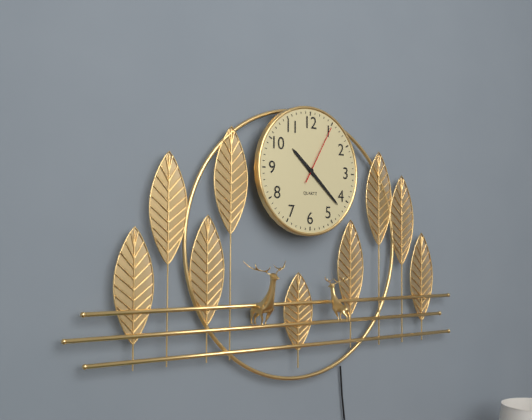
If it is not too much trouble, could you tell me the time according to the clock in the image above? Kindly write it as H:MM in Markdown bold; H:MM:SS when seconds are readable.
**10:22:05**
